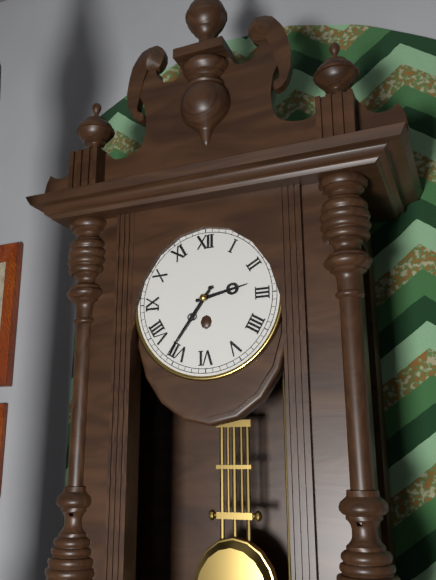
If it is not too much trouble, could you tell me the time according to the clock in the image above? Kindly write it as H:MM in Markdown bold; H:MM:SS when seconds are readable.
**2:36**
